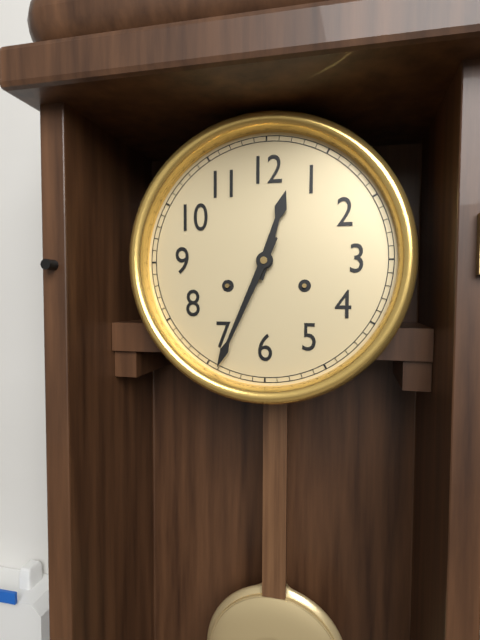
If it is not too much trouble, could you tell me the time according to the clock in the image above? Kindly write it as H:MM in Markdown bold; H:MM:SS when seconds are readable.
**12:34**
